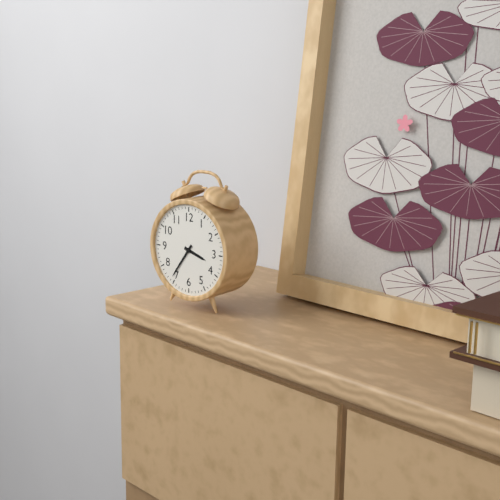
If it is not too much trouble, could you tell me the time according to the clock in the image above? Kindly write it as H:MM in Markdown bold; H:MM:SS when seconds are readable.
**3:36**
